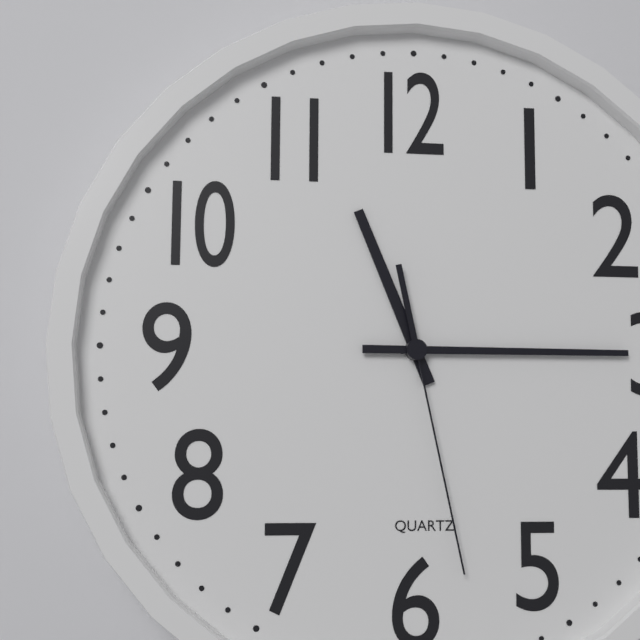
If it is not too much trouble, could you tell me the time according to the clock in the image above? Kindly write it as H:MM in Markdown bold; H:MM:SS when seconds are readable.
**11:15:28**
